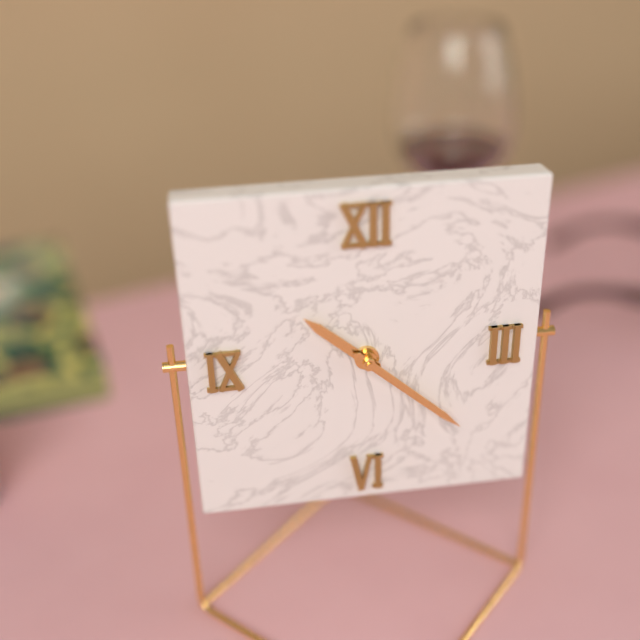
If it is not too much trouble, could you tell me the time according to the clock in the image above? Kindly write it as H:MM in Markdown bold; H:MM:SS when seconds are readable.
**10:22**
